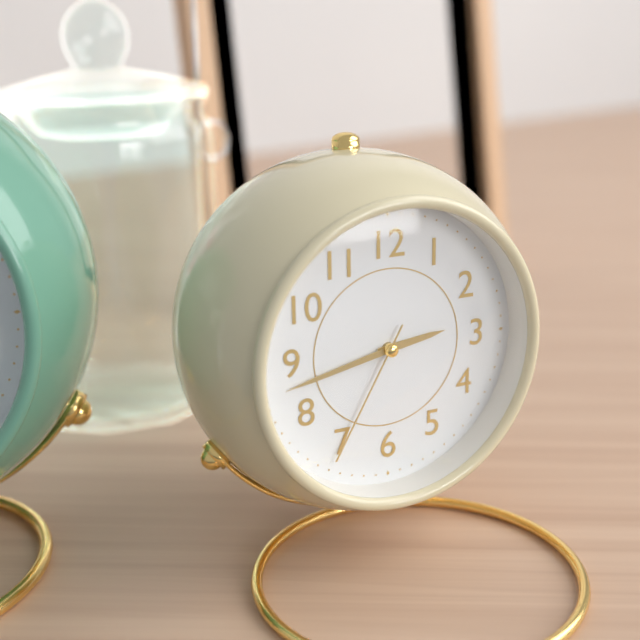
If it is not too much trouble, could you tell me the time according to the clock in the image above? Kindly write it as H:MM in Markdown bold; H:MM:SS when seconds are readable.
**2:43:35**
